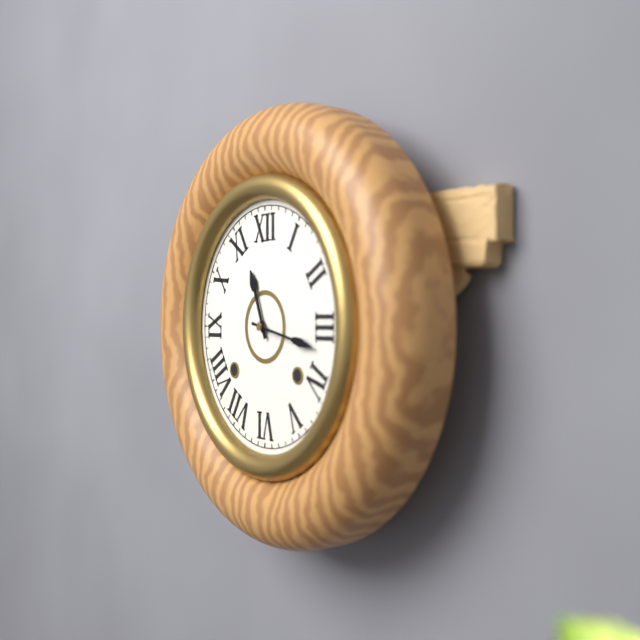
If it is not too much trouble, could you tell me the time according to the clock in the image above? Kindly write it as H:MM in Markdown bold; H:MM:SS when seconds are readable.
**11:17**
